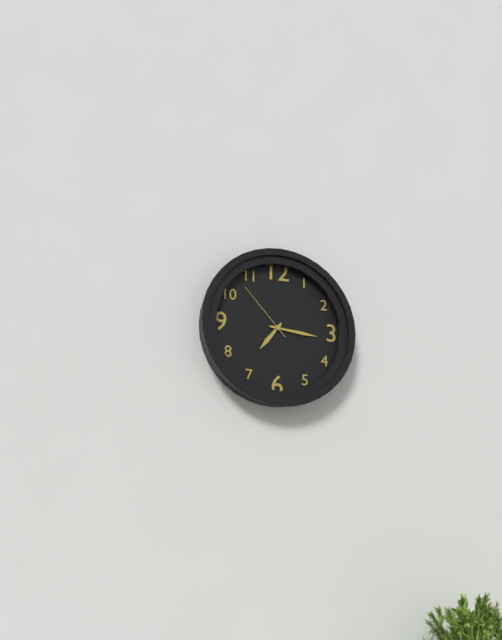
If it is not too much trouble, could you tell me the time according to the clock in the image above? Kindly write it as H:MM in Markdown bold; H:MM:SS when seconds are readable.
**7:16:53**
